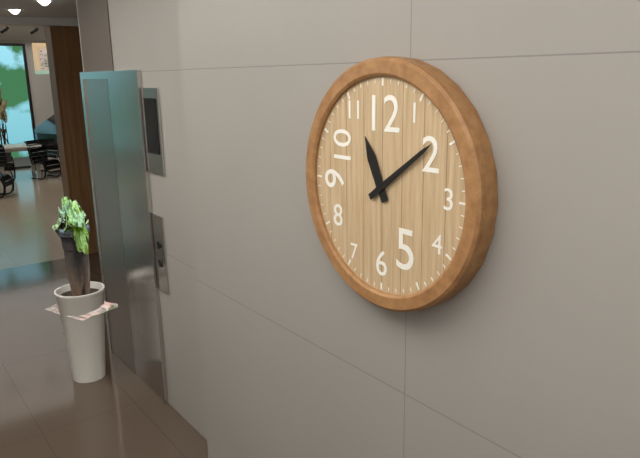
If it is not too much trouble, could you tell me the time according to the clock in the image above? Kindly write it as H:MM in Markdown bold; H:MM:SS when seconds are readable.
**11:09**
